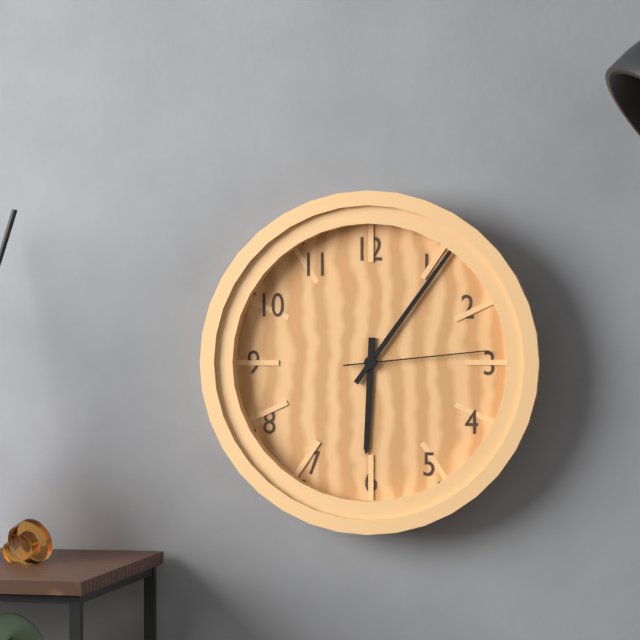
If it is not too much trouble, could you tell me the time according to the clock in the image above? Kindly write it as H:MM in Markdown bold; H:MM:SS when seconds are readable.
**6:06:14**
